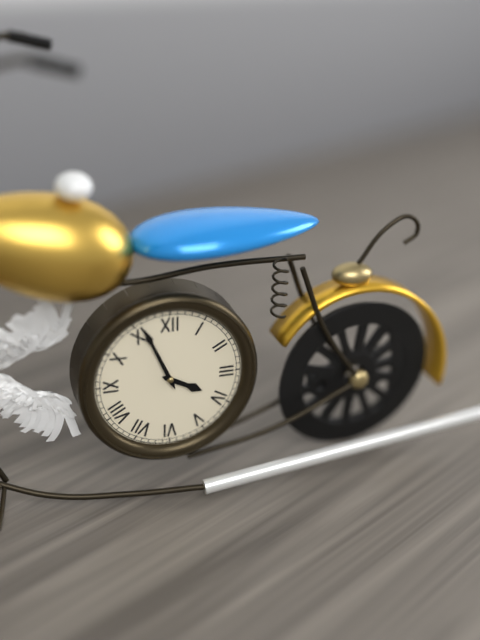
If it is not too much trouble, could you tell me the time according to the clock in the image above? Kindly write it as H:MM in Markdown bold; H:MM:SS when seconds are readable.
**3:56**
